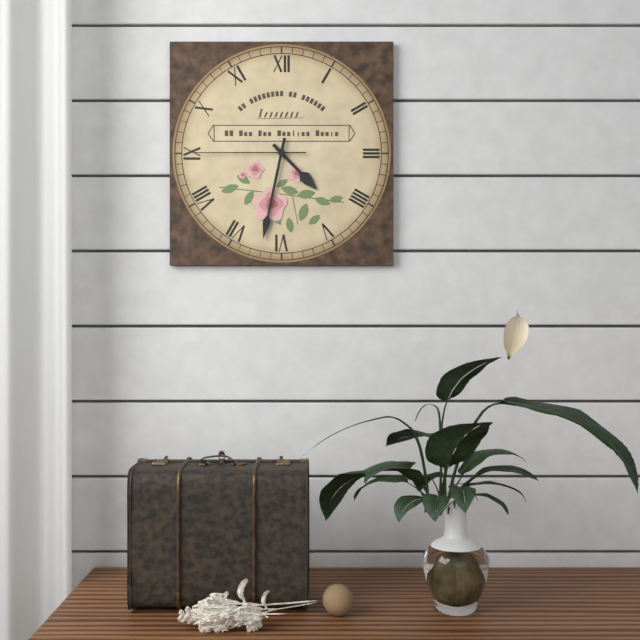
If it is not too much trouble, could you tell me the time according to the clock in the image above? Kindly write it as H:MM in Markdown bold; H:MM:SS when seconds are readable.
**4:32:45**
